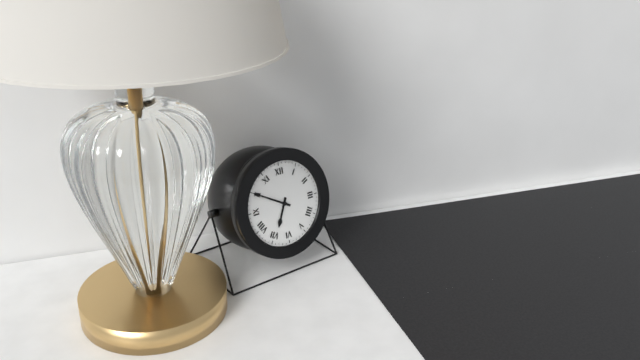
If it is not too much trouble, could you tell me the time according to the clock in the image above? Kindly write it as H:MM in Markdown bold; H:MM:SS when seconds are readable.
**6:50**
